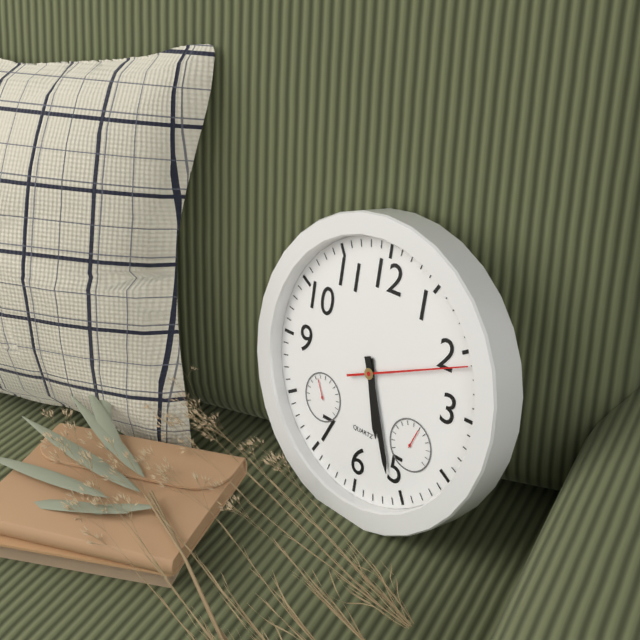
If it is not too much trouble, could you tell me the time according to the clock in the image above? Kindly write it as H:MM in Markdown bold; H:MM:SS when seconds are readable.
**5:26:11**
